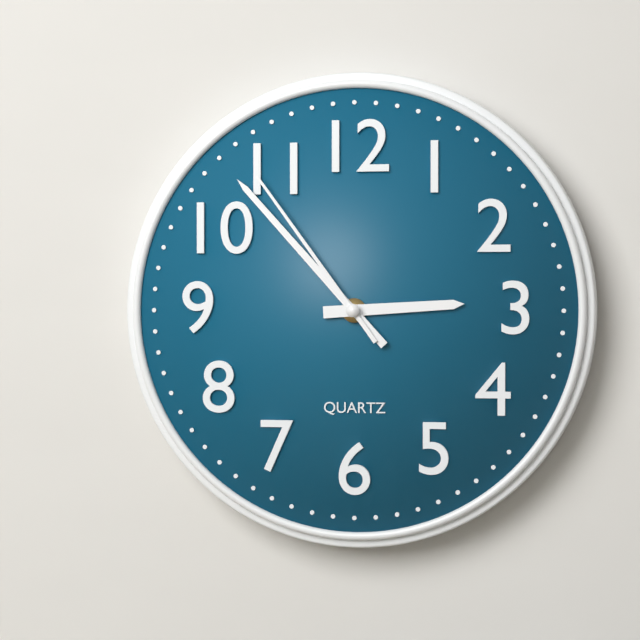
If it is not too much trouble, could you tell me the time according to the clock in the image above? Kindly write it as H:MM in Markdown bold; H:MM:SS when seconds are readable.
**2:53:54**
